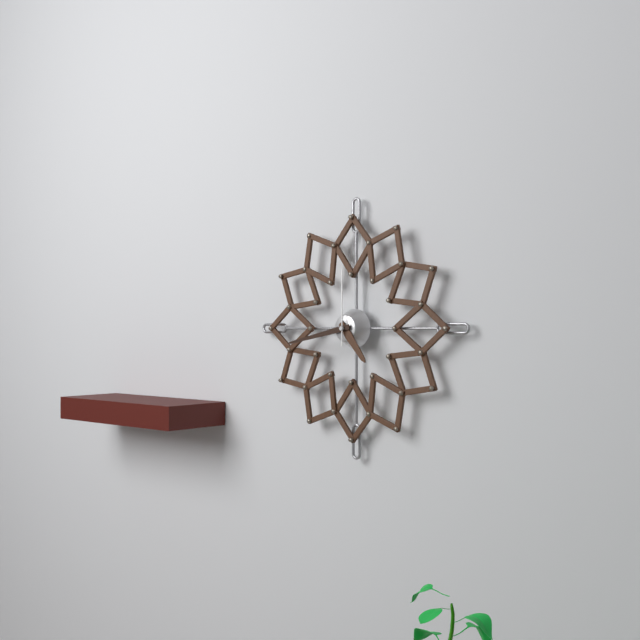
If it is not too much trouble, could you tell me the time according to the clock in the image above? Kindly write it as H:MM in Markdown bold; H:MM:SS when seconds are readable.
**4:43:00**
